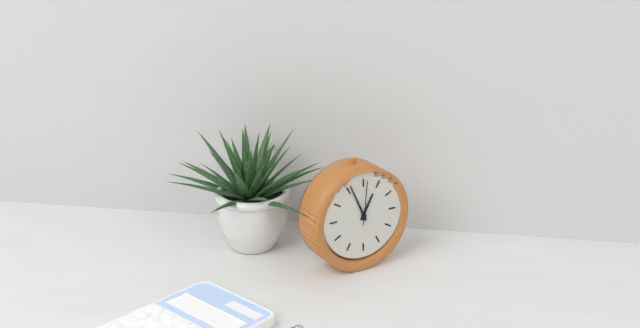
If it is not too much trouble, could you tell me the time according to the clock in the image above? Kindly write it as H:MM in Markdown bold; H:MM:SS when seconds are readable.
**12:56**
